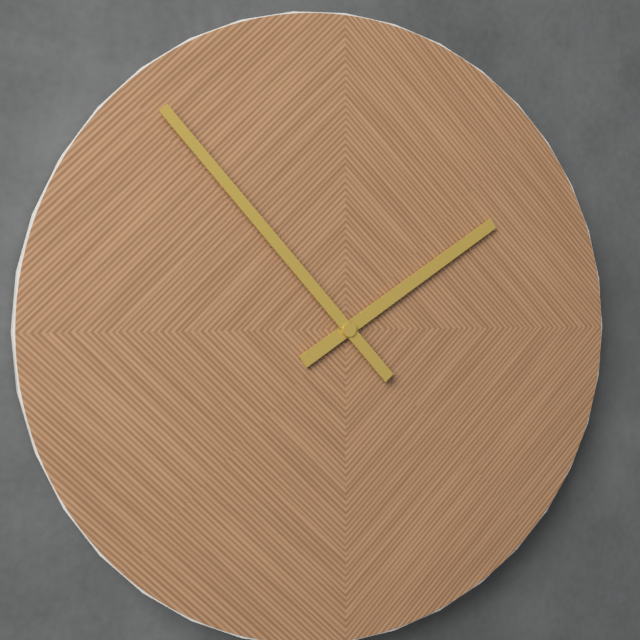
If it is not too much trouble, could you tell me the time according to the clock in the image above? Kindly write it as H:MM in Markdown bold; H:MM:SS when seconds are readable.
**1:53**
